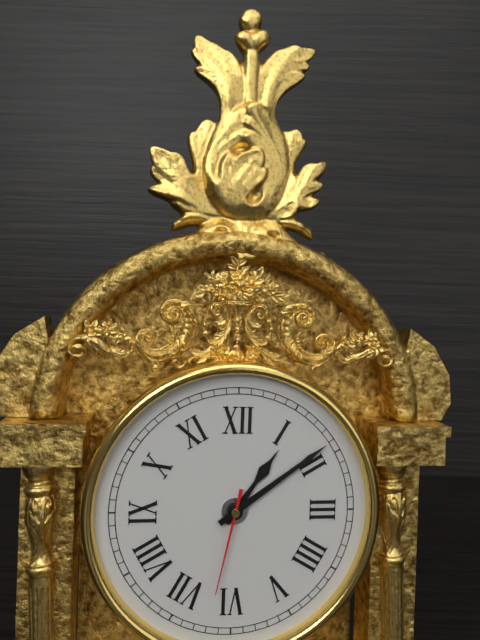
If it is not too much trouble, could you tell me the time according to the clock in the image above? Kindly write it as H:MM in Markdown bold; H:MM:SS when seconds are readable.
**1:09:32**
